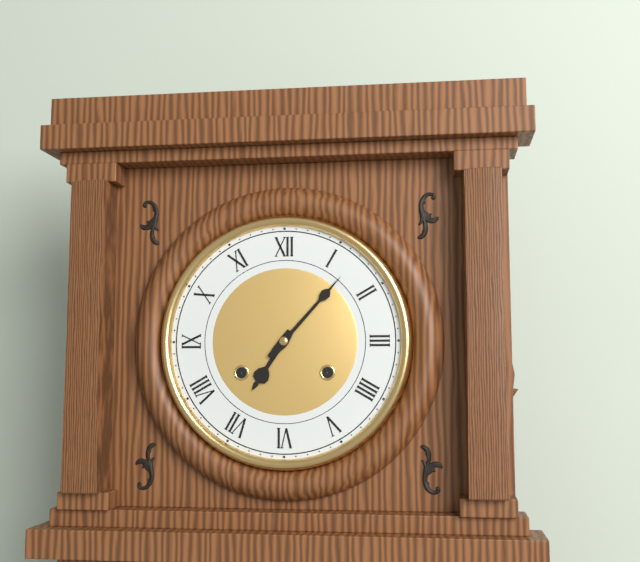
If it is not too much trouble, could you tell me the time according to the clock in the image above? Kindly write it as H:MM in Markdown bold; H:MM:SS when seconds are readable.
**7:07**
